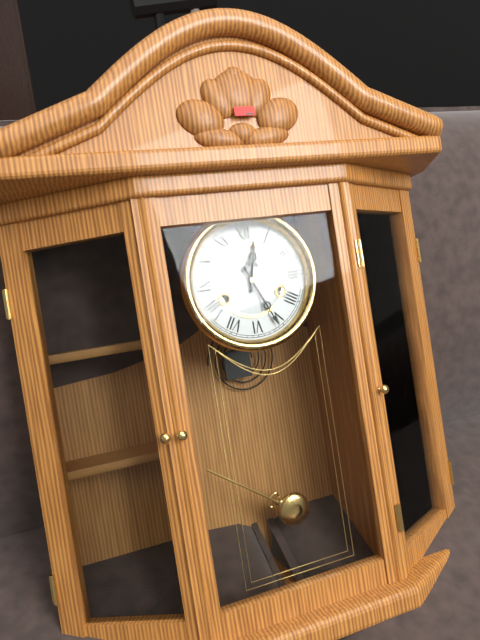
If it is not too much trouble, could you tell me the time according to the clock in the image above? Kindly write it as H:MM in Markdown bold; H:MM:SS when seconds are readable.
**12:26**
